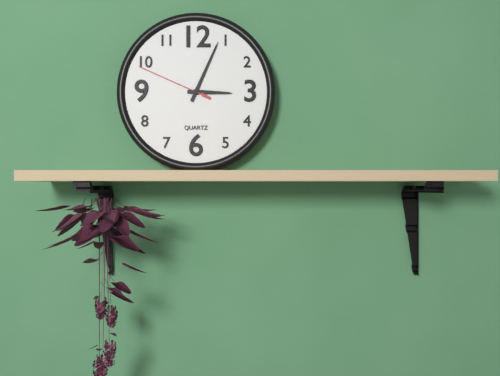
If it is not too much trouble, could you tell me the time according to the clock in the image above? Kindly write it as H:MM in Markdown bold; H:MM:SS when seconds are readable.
**3:04:49**
